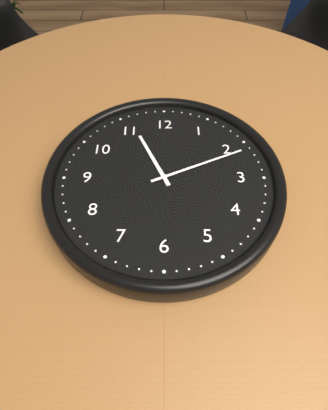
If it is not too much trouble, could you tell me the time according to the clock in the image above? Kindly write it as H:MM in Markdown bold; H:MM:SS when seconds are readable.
**11:11**
